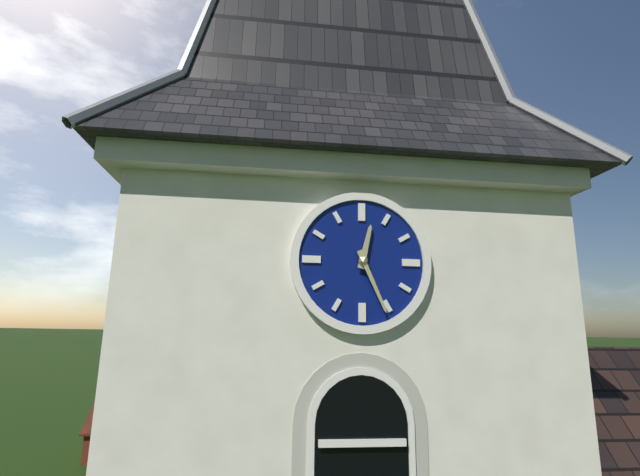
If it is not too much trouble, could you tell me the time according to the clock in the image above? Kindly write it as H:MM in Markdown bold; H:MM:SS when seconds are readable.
**12:26**
